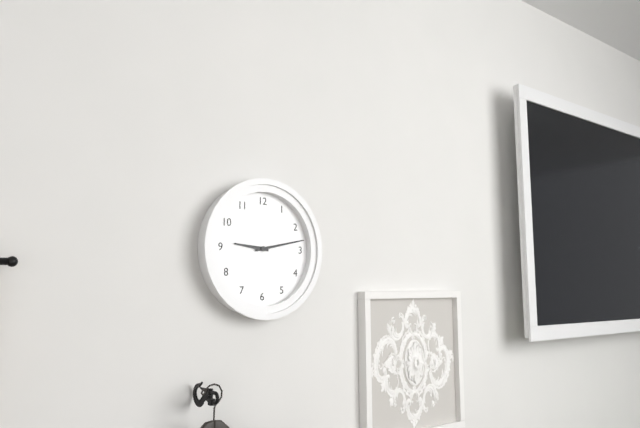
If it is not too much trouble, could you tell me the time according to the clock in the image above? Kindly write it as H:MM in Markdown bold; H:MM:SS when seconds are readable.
**9:13**
